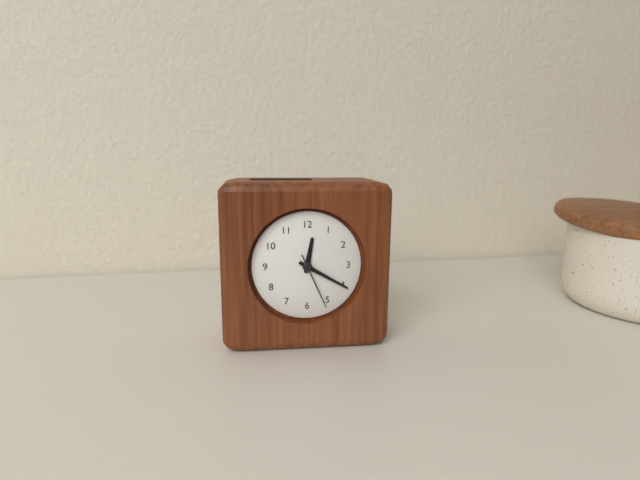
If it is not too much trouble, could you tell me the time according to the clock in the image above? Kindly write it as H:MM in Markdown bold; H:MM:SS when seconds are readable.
**12:20:26**
